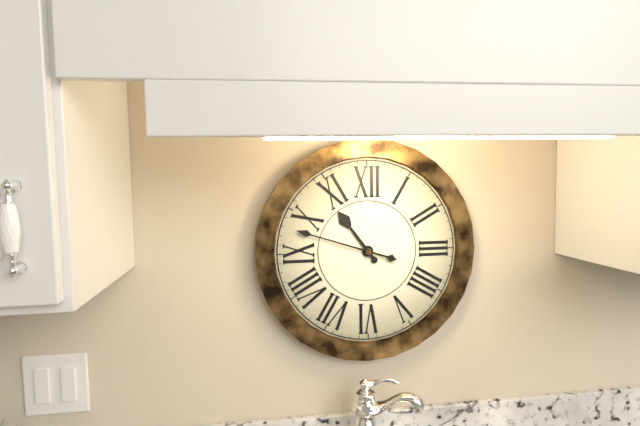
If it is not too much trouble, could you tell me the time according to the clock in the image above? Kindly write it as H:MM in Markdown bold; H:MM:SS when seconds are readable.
**10:48**
